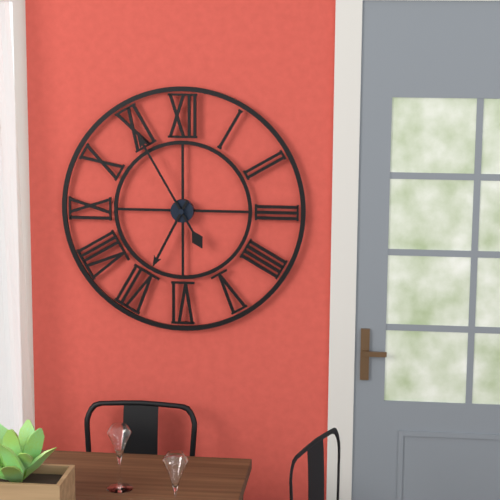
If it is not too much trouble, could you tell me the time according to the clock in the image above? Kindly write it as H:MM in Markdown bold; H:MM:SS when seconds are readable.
**6:55**
